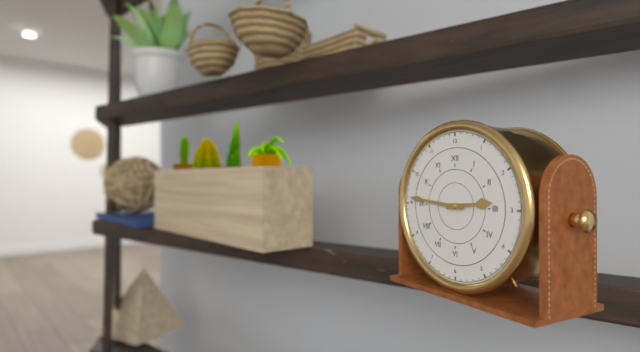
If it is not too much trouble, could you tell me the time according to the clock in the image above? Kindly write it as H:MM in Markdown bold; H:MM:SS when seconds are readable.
**2:46**
